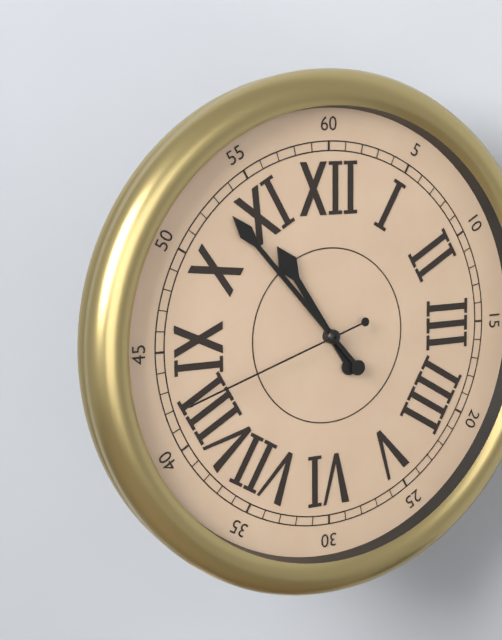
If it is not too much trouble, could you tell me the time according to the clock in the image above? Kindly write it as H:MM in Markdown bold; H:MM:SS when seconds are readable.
**10:53:42**
